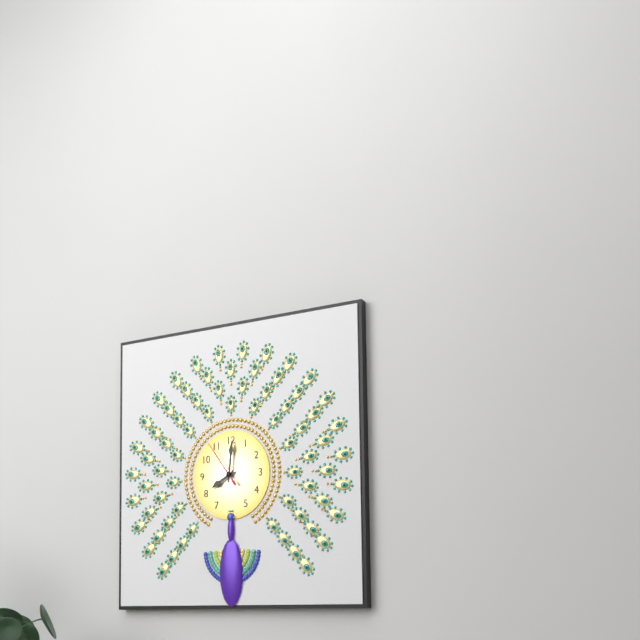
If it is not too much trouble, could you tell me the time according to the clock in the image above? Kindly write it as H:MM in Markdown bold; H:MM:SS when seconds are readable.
**8:01**
